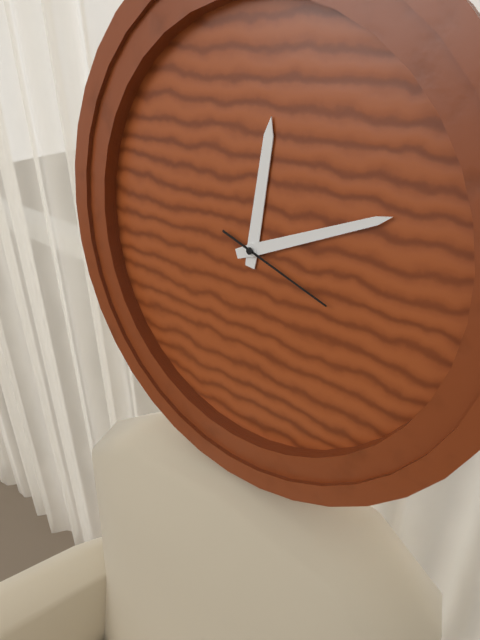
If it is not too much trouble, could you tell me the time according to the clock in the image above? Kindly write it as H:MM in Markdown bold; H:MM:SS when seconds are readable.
**12:11:18**
